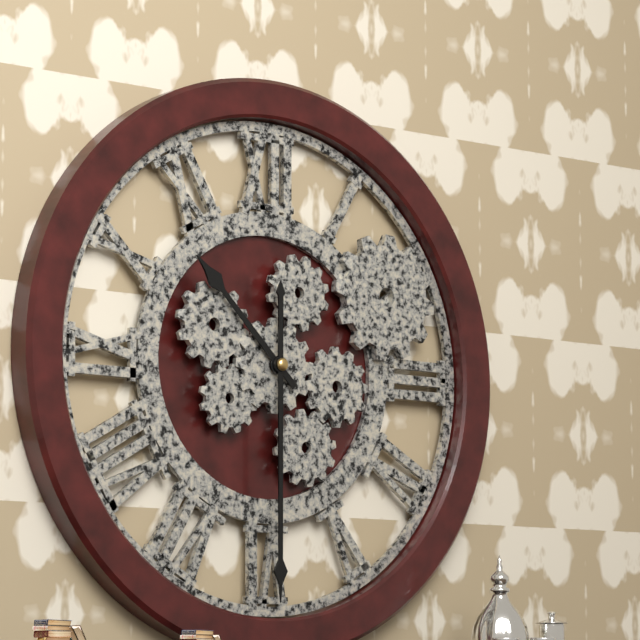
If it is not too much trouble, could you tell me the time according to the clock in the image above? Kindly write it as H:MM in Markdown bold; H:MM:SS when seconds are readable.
**10:30**
